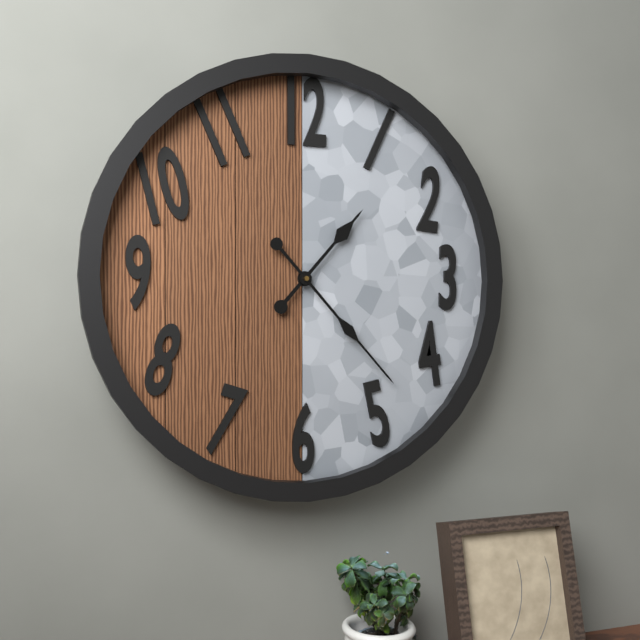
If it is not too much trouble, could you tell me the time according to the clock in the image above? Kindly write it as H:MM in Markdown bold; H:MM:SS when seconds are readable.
**1:23**
